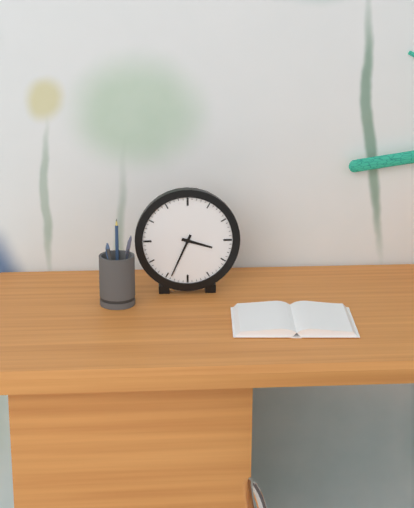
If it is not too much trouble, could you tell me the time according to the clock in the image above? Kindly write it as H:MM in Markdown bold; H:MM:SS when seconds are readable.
**3:34**
